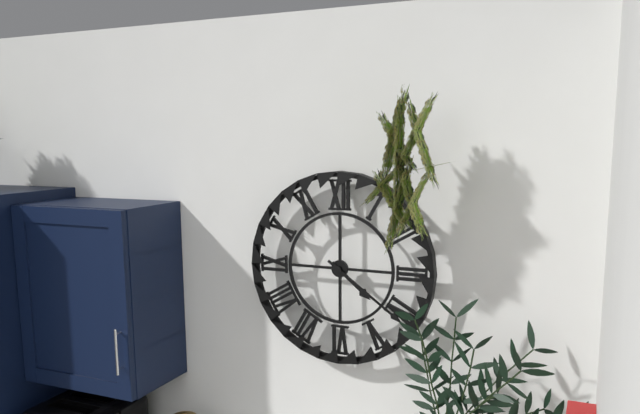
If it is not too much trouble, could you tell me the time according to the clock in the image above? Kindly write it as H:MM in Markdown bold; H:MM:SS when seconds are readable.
**4:21**
